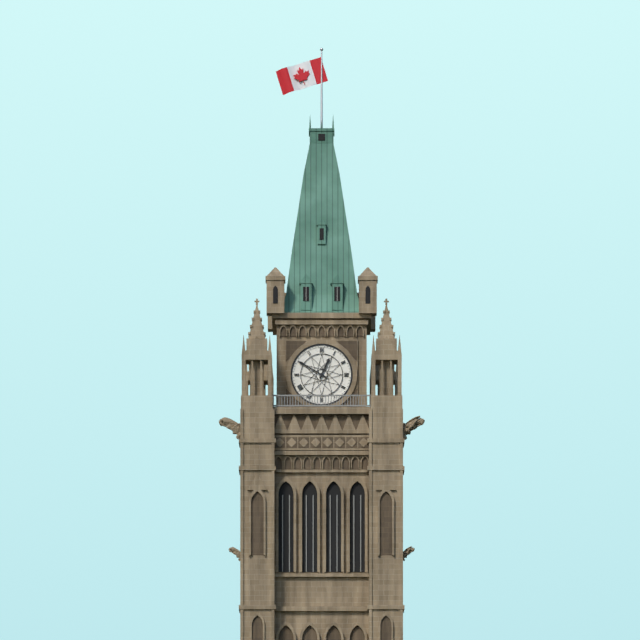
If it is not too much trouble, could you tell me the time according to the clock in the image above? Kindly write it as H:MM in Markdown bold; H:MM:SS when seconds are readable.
**12:50**
